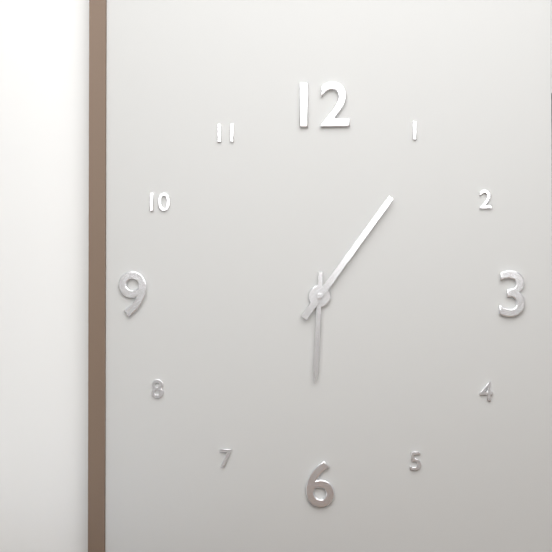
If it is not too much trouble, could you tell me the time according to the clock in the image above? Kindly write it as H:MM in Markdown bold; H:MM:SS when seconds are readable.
**6:06**
